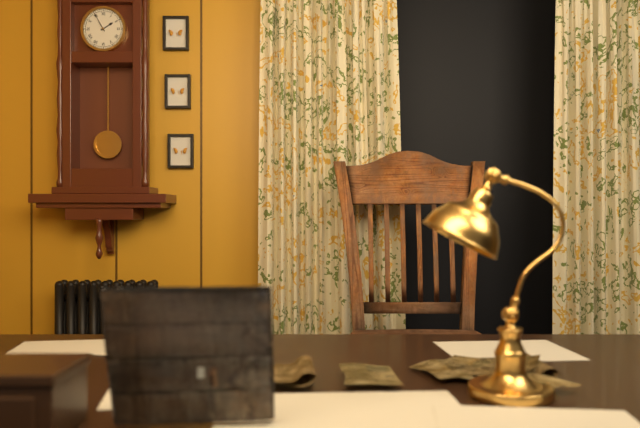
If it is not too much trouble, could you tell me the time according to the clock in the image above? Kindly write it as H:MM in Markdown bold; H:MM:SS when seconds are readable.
**1:55**
